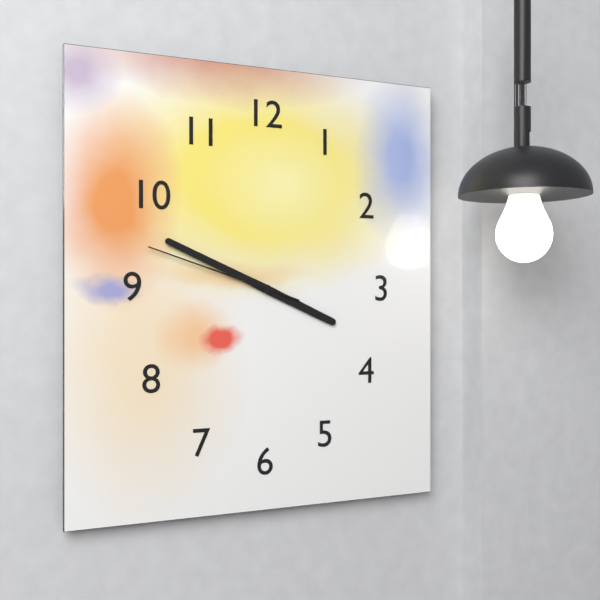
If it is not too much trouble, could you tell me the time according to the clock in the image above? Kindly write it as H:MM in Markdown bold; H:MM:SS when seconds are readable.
**3:49:48**
